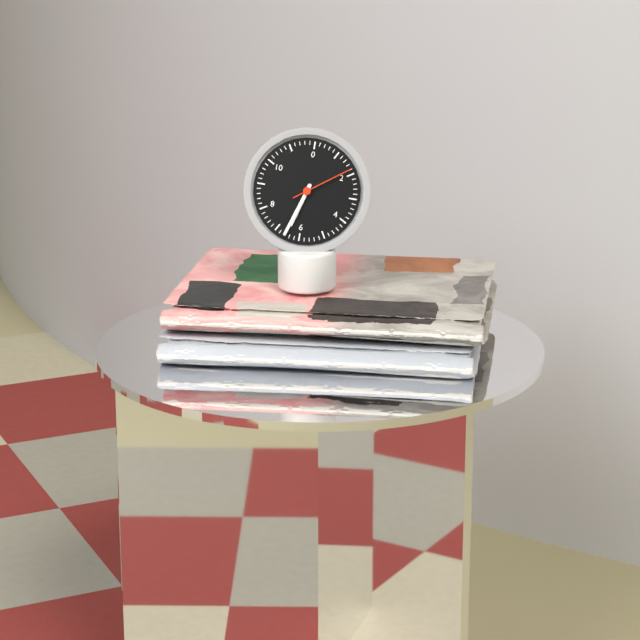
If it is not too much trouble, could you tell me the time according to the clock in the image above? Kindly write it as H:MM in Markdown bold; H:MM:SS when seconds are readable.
**6:33:09**
